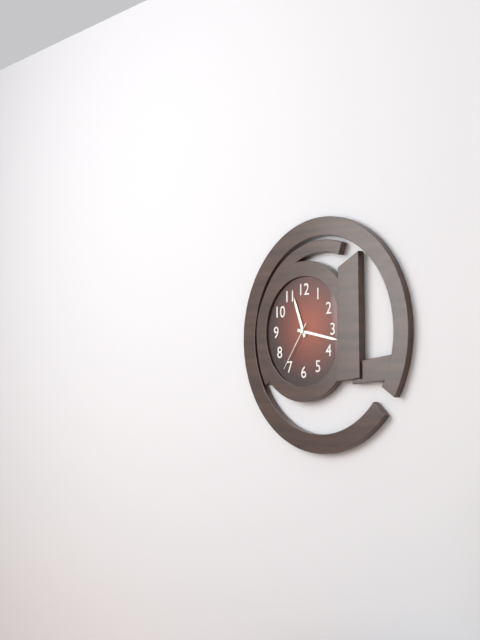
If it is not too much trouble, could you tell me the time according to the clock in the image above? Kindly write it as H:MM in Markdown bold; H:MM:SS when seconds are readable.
**11:17:36**
